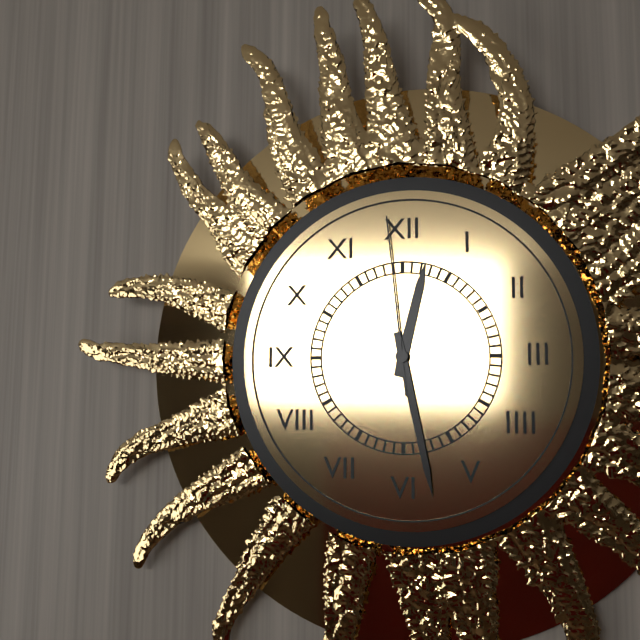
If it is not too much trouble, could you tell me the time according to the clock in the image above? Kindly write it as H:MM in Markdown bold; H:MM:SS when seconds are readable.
**12:28:59**
